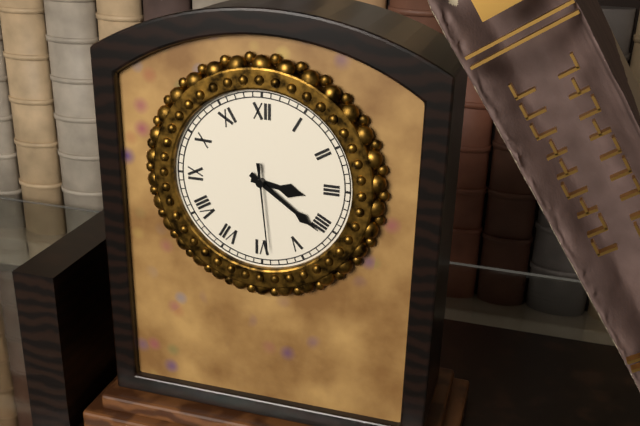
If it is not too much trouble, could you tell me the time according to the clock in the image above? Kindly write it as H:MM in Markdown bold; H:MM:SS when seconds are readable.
**3:21:29**
